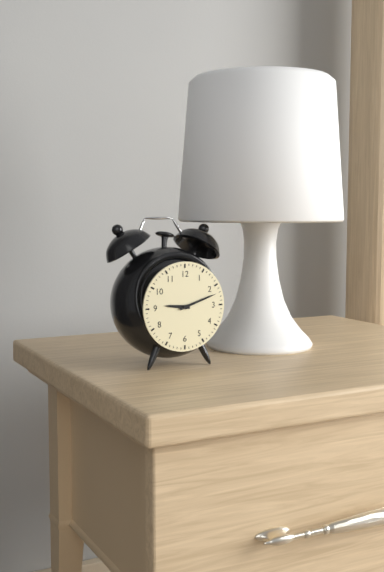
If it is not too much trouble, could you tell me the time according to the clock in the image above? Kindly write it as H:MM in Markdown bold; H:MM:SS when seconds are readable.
**9:12**
